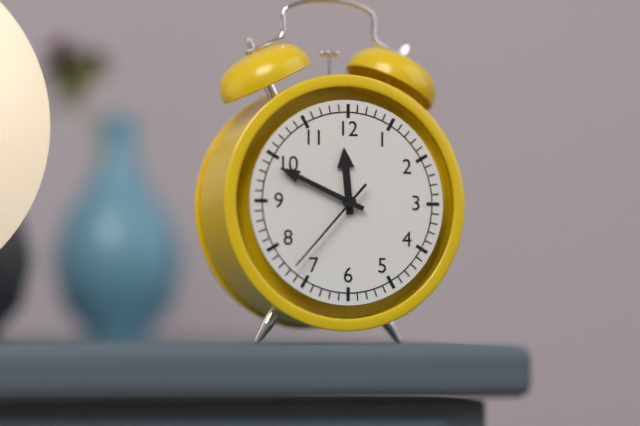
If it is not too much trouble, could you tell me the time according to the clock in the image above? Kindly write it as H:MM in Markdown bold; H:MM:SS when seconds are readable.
**11:49:37**
